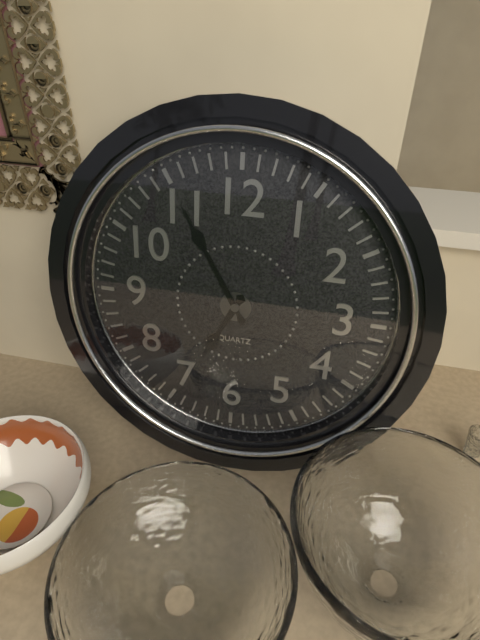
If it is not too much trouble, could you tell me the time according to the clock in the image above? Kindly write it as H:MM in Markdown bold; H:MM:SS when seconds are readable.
**6:55**
